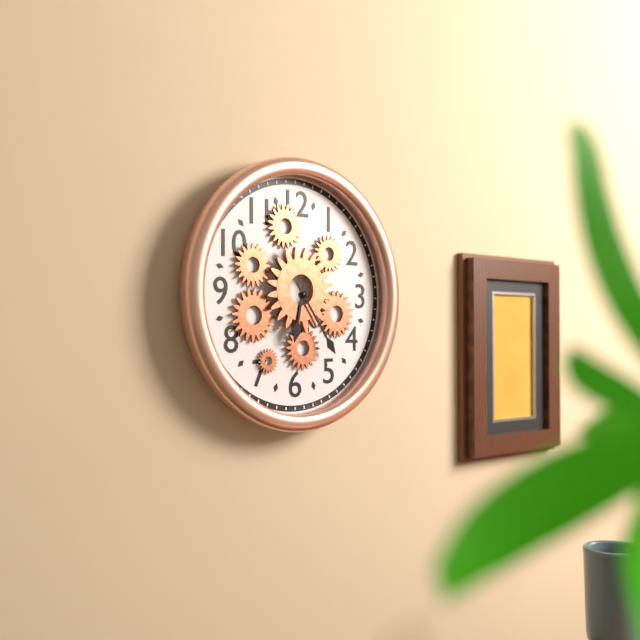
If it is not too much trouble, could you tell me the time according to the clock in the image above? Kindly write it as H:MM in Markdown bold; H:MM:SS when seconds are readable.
**6:24**
